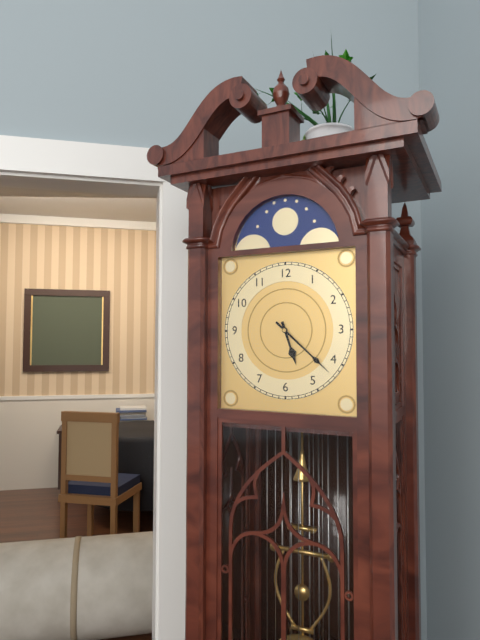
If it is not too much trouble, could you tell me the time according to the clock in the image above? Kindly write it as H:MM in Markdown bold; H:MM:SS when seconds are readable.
**5:22**
